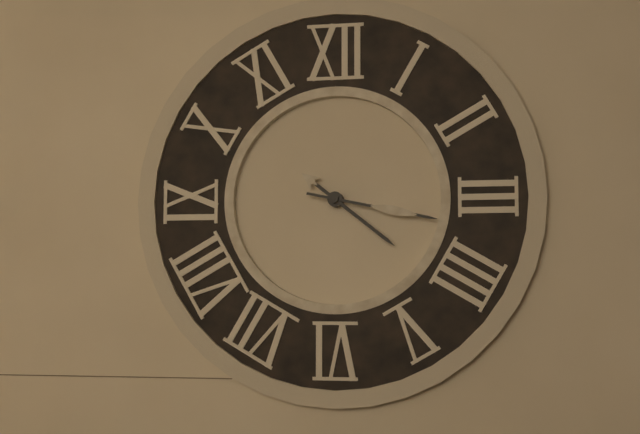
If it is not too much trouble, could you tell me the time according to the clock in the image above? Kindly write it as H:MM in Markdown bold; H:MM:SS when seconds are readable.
**4:17**
